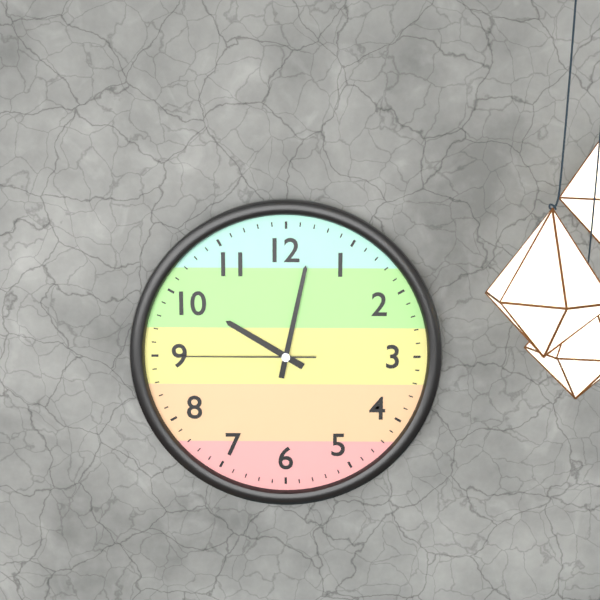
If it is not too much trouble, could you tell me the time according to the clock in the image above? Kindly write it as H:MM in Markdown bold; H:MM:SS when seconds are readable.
**10:02:45**
